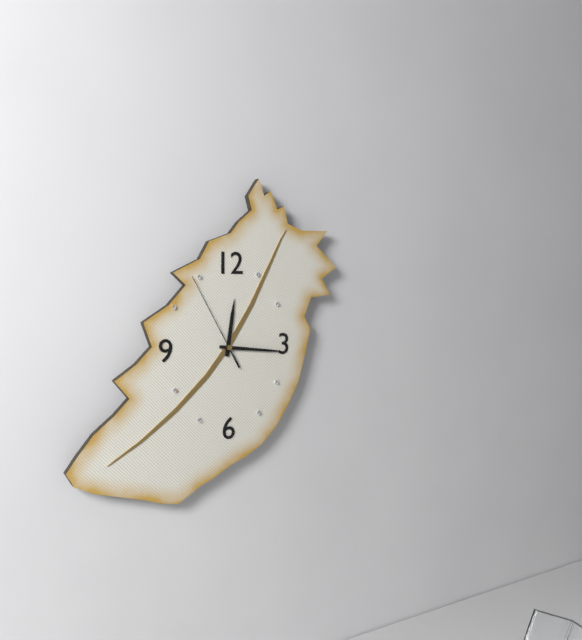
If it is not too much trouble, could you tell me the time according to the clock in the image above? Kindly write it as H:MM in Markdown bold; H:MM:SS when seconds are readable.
**12:16:55**
